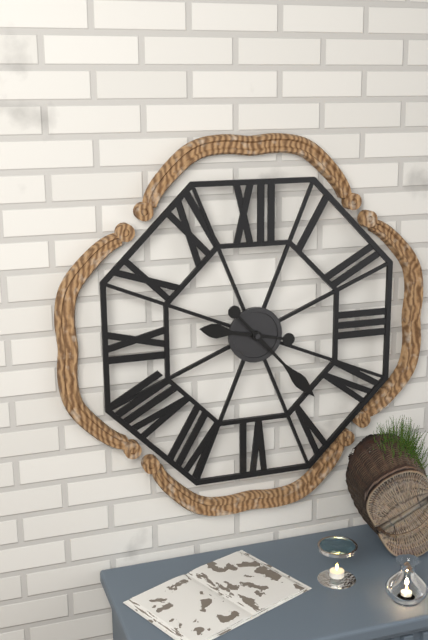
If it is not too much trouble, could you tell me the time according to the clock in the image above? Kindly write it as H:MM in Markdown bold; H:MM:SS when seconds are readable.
**9:23**
